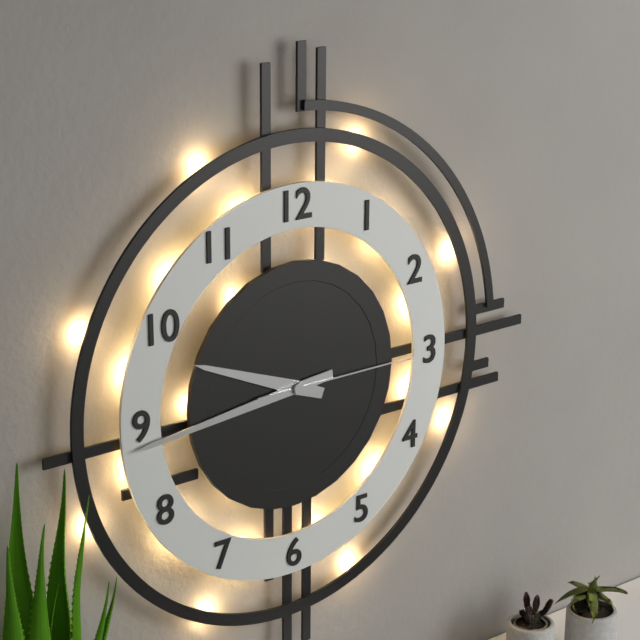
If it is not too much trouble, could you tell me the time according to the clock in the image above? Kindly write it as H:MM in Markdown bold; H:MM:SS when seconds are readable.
**9:44:15**
